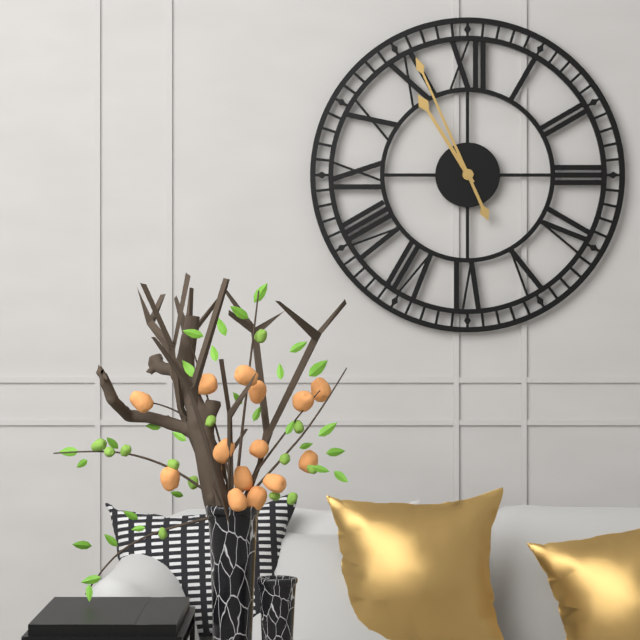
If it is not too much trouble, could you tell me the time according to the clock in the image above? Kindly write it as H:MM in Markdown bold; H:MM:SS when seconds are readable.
**10:56**
